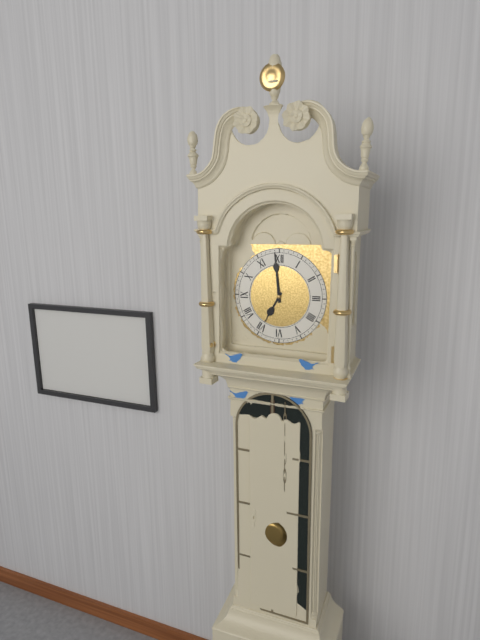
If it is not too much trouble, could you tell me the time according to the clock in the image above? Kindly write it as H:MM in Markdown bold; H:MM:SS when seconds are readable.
**6:59**
